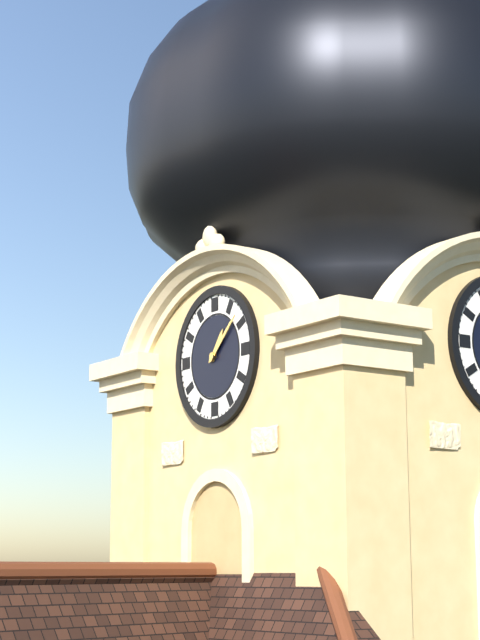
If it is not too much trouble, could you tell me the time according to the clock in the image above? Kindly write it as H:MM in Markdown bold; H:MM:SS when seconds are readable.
**1:08**
